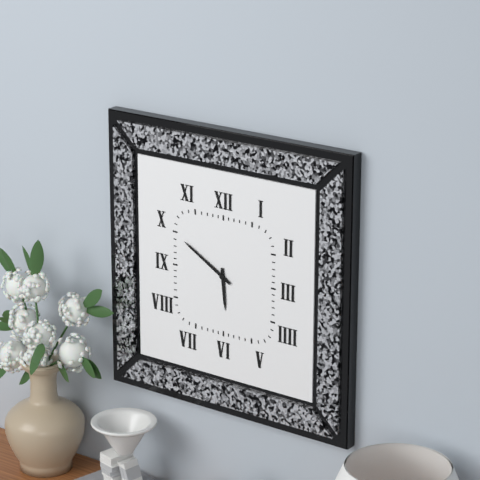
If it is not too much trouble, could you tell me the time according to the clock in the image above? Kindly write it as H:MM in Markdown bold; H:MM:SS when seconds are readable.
**5:50**
